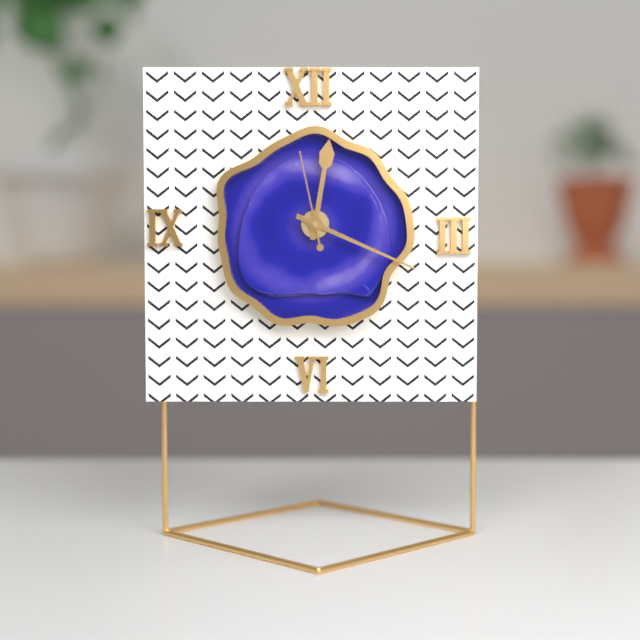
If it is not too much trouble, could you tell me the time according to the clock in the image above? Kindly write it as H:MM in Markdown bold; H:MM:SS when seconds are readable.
**12:19:58**
